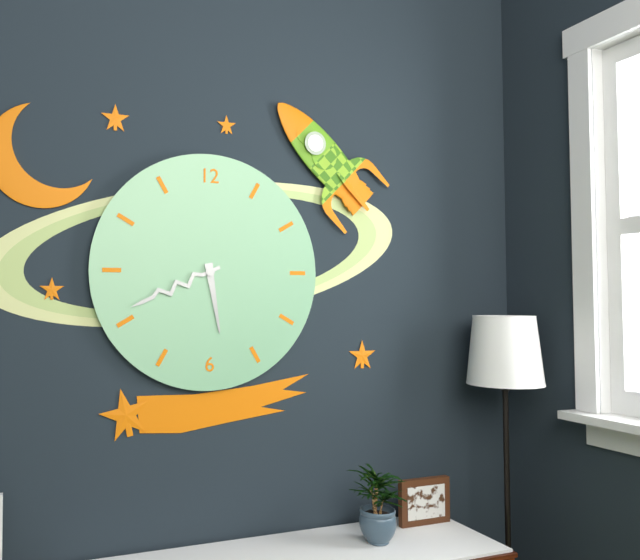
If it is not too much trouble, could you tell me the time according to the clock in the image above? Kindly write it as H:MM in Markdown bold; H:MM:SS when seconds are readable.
**5:41**
